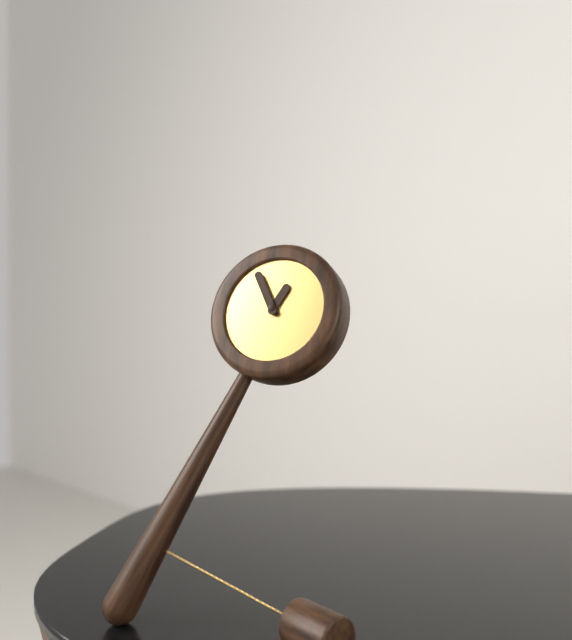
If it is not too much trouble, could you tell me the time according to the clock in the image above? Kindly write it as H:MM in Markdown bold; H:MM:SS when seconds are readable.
**12:55**
